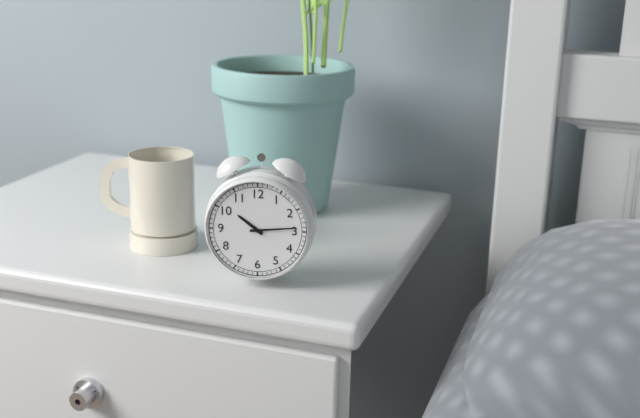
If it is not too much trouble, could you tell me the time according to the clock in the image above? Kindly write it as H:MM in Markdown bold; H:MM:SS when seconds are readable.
**10:14**
